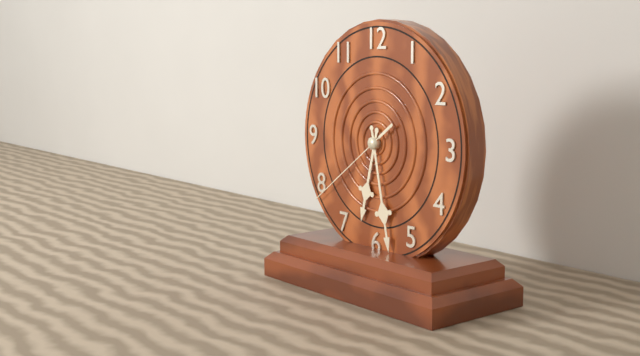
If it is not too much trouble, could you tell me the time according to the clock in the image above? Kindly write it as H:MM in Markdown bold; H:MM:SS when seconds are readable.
**6:28:39**
